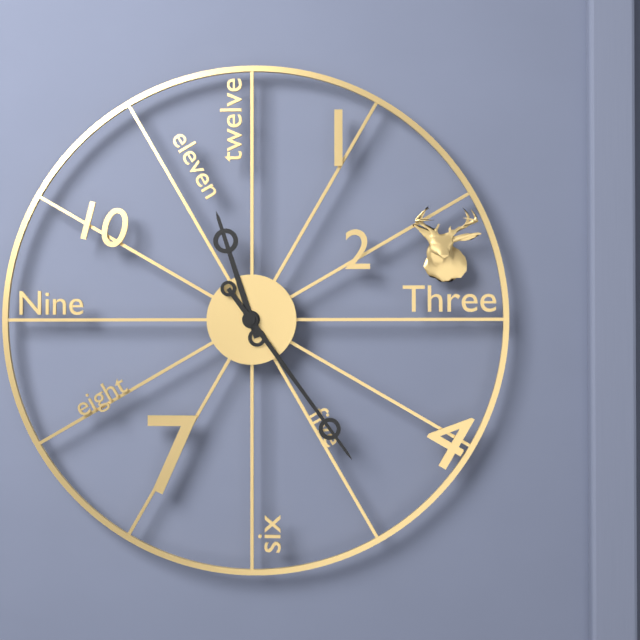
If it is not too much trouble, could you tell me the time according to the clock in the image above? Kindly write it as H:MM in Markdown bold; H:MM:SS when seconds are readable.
**11:24**
